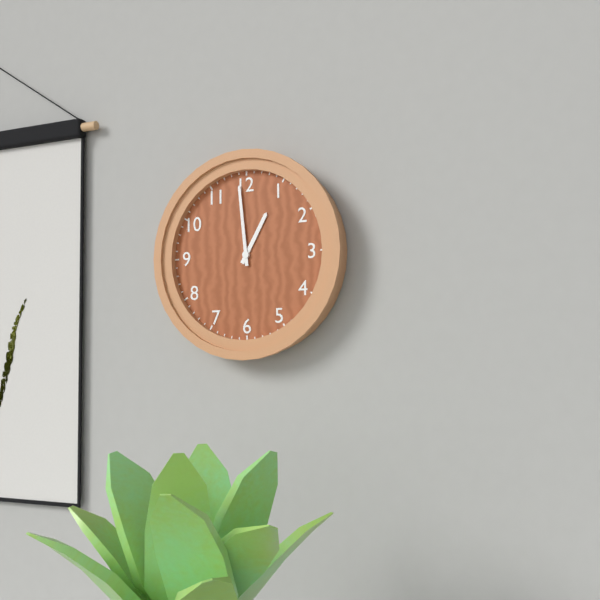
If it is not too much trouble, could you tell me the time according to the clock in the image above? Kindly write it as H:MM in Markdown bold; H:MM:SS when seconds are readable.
**12:59**
